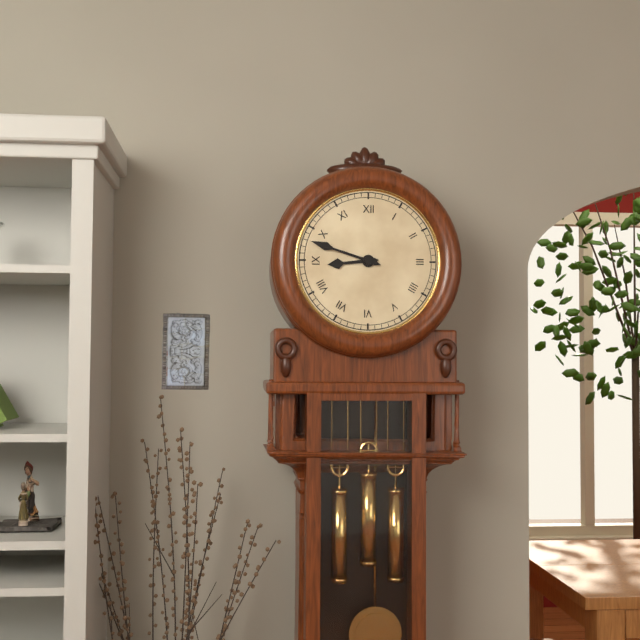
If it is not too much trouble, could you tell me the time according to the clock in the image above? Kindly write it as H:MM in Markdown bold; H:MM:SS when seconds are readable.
**8:48**
